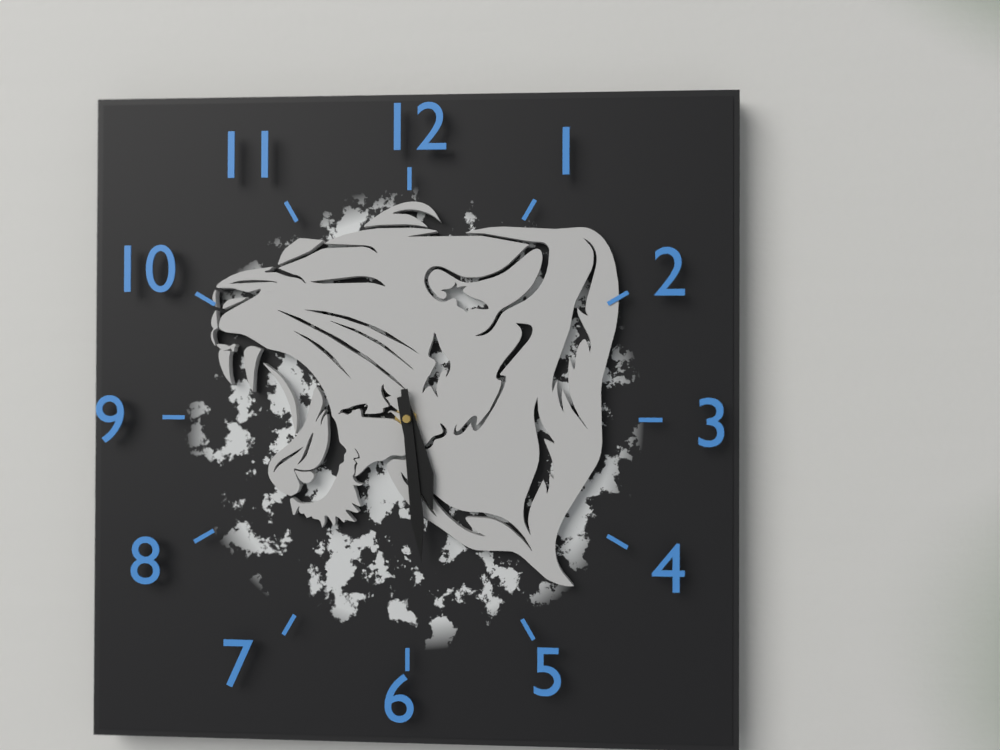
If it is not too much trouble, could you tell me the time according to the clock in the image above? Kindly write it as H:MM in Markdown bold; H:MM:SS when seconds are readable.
**5:29**
